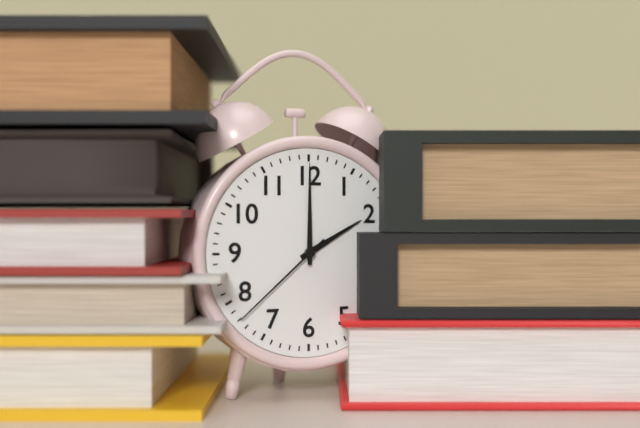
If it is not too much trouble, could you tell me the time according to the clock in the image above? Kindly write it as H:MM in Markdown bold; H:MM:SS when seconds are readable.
**2:00:38**
